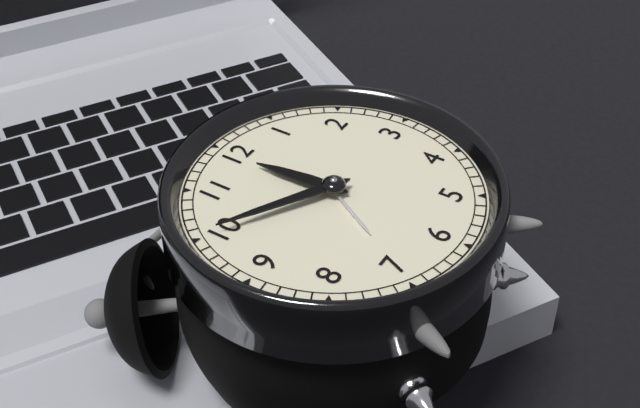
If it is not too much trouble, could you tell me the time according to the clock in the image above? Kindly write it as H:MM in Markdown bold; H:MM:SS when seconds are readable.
**11:50**
